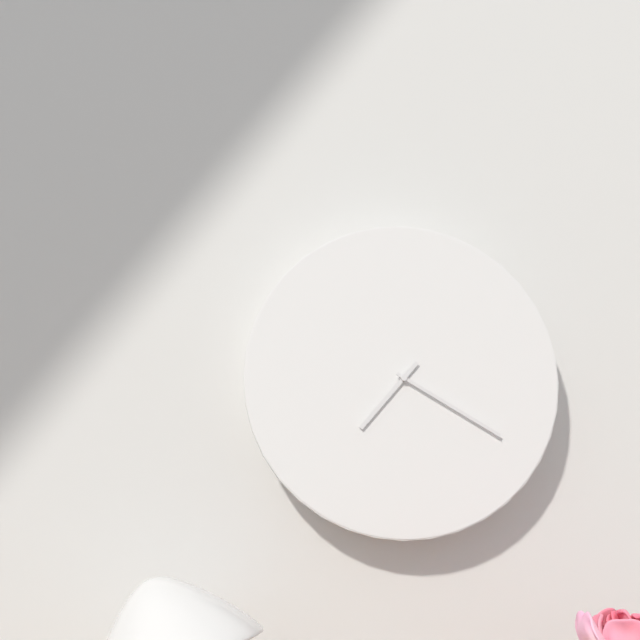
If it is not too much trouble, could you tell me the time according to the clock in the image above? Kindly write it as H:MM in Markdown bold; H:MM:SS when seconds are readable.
**7:20**
